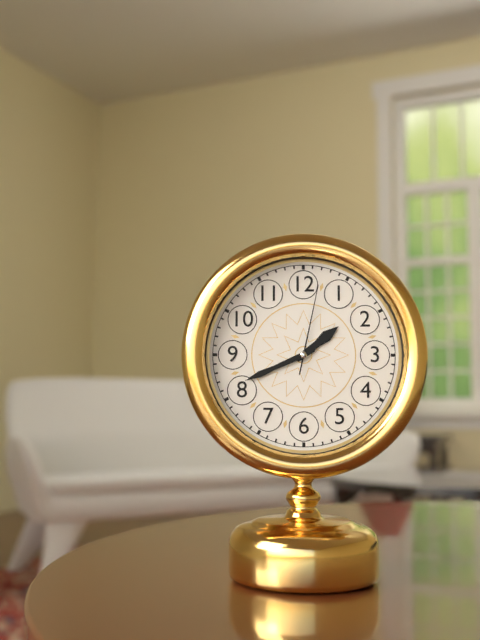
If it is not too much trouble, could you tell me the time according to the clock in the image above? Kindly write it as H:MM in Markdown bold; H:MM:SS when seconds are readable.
**1:41:02**
